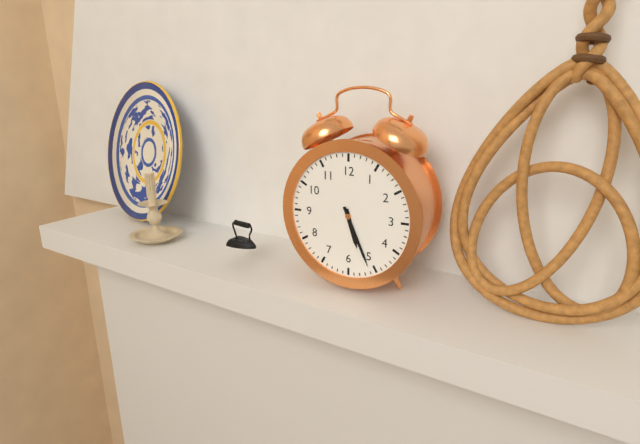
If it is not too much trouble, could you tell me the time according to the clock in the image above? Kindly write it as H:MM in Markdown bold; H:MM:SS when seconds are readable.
**5:26**
